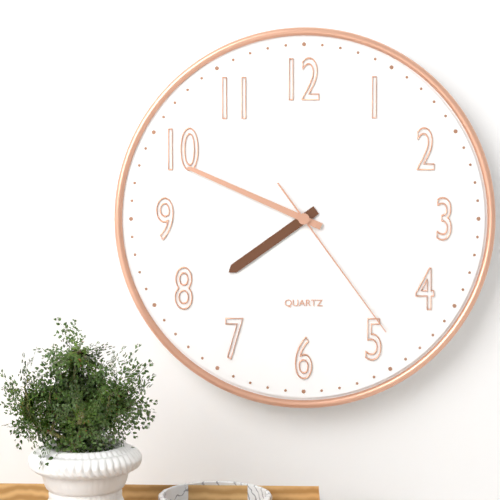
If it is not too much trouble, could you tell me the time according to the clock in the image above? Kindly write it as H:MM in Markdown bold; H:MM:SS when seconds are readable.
**7:49:24**
